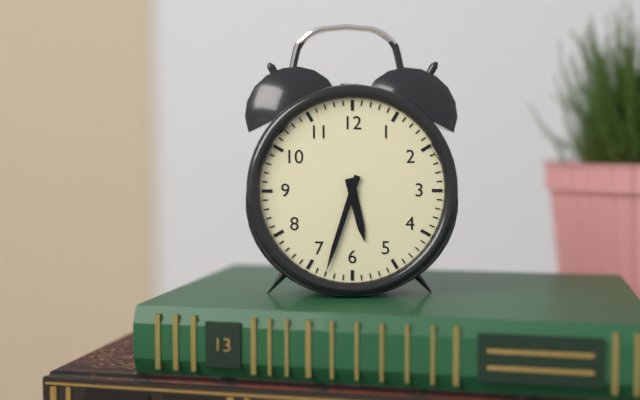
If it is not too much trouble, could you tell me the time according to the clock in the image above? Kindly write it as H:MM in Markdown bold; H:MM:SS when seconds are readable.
**5:33**
